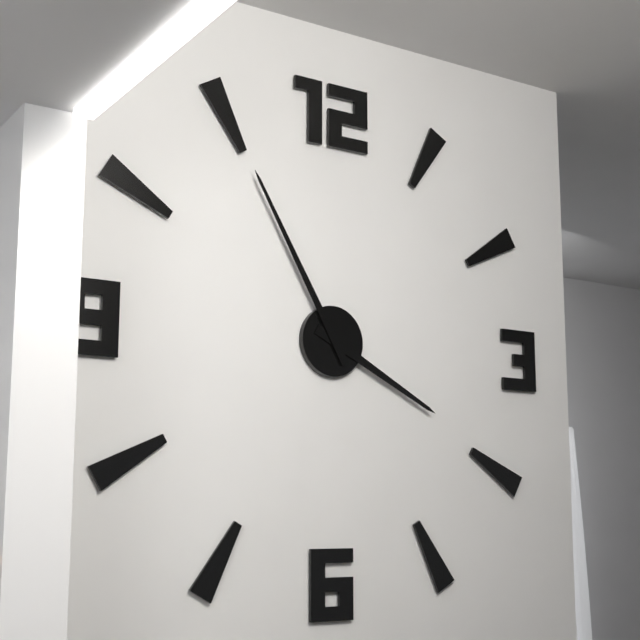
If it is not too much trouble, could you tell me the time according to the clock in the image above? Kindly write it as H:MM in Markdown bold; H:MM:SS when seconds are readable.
**3:55**
